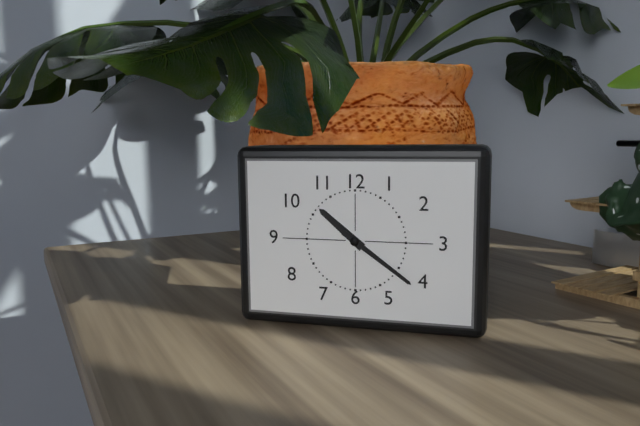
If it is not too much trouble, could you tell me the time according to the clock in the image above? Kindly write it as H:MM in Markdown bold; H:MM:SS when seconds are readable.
**10:21**
